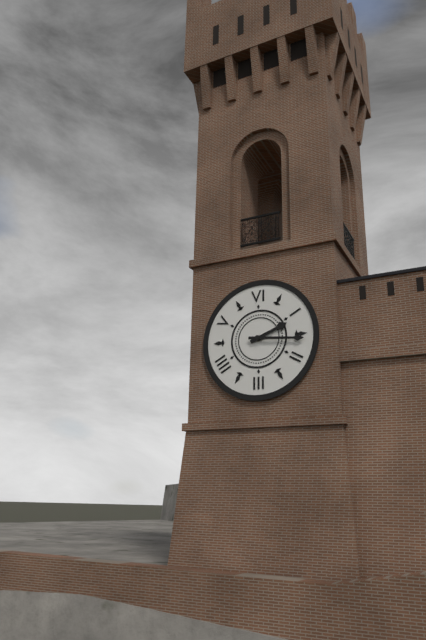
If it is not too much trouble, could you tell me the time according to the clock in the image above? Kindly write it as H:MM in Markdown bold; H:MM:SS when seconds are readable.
**2:16**
